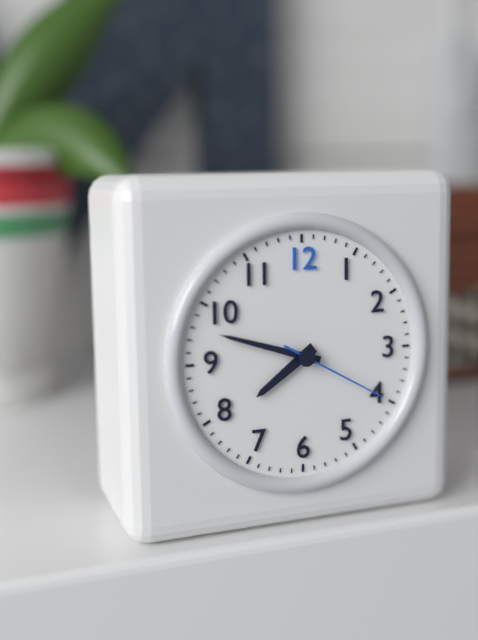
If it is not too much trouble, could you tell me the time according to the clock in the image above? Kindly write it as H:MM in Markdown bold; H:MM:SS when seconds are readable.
**7:48:20**
